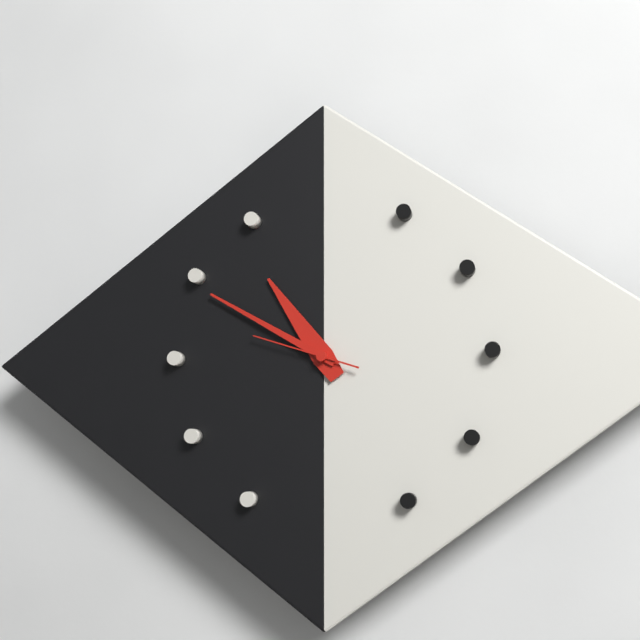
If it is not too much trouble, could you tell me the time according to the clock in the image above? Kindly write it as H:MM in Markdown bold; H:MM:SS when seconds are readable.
**10:50:48**
